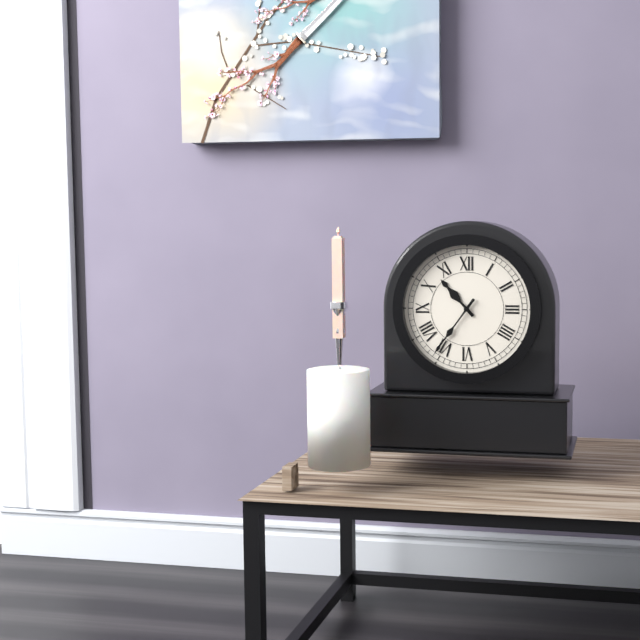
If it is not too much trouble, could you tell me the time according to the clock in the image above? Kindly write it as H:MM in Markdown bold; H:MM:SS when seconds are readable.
**10:36**
